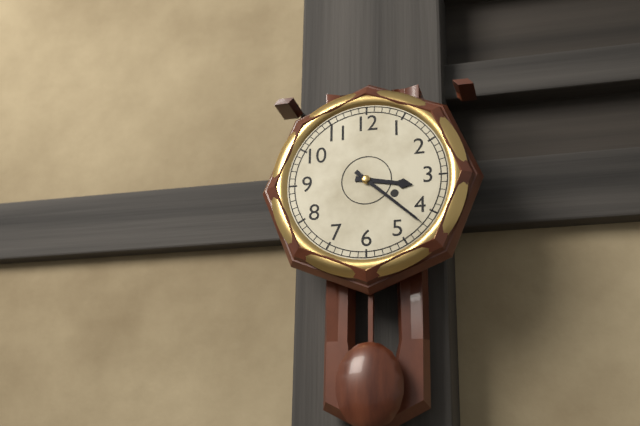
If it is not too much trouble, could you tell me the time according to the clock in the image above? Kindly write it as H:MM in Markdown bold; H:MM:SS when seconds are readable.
**3:22**
